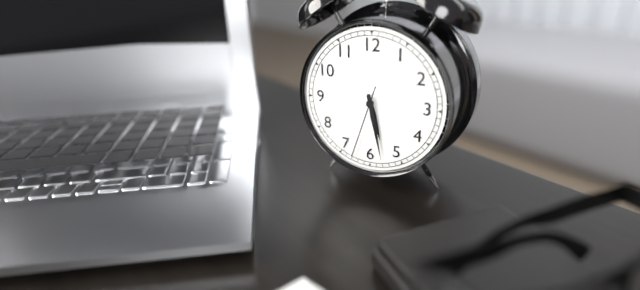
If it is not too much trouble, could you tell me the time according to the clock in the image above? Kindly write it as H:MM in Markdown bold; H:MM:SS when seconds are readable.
**5:28:33**
